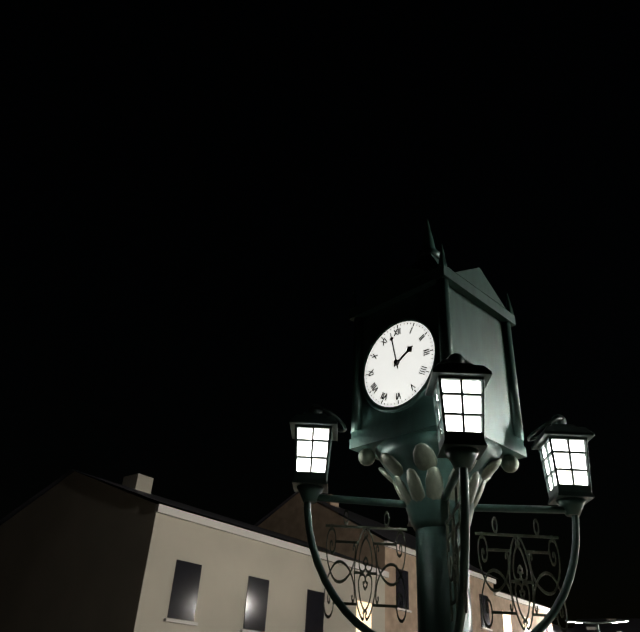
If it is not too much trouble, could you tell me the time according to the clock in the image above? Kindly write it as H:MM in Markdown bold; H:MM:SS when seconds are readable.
**1:58**
